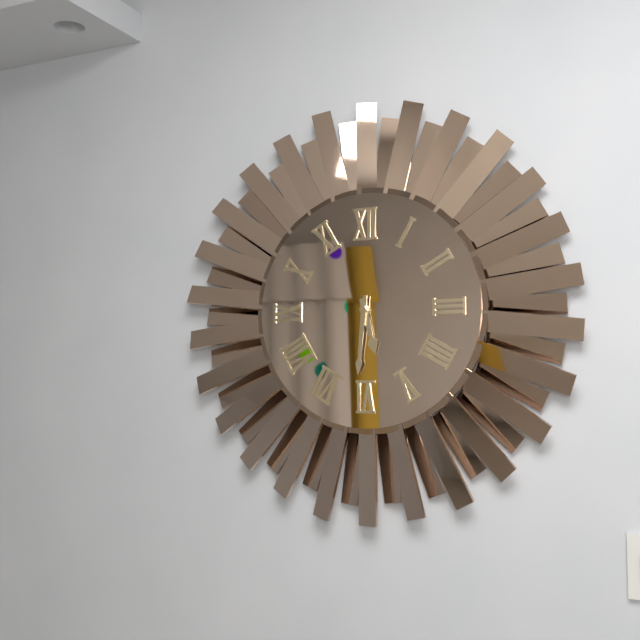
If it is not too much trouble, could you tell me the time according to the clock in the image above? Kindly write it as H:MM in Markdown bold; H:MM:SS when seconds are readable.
**5:31**
